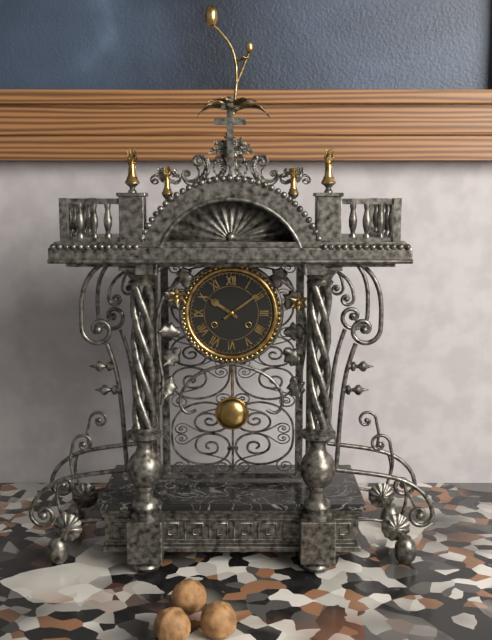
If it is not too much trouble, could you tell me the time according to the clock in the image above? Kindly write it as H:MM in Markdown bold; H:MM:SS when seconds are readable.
**10:09**
